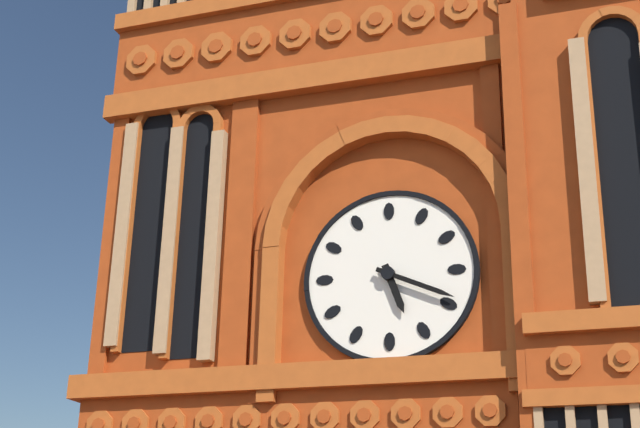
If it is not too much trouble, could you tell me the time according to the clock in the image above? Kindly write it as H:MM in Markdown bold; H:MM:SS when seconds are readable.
**5:19**
